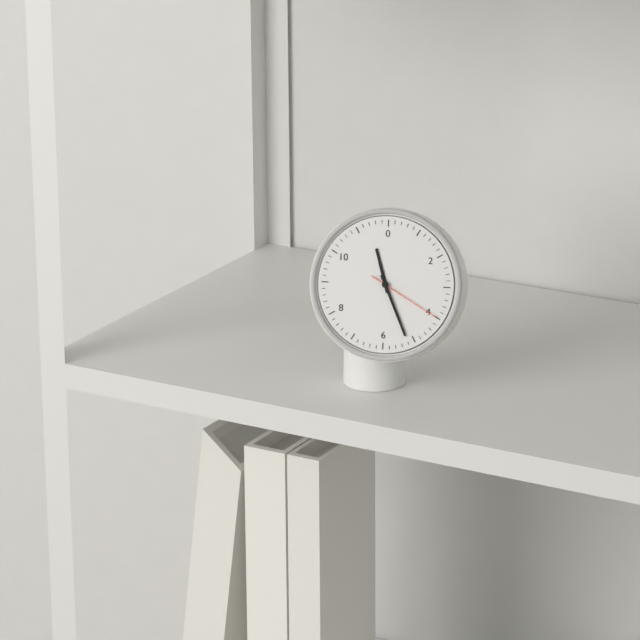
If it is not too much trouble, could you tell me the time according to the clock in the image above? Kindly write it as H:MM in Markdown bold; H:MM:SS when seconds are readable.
**11:26:20**
